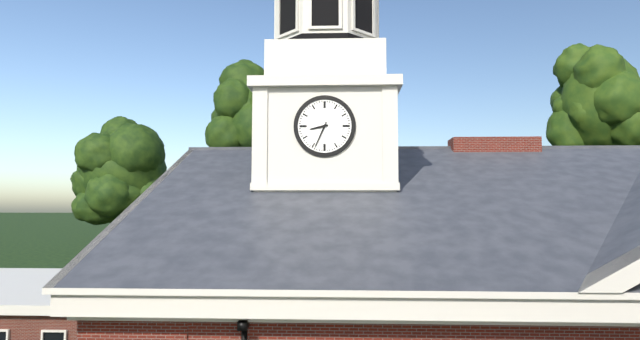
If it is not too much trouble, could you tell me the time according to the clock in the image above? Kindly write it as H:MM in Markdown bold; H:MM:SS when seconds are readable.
**8:34**
